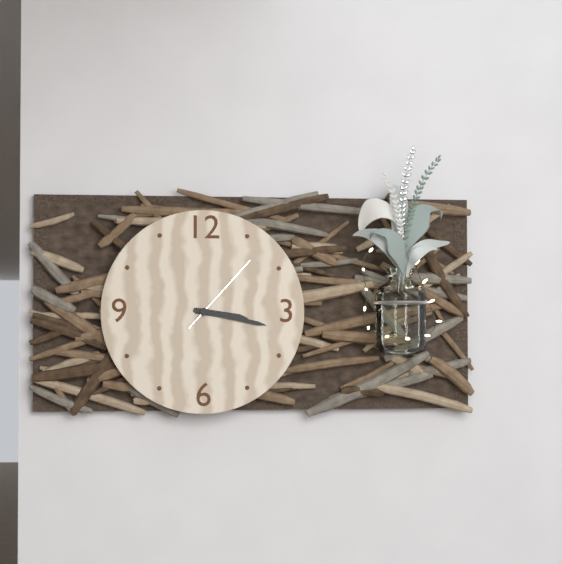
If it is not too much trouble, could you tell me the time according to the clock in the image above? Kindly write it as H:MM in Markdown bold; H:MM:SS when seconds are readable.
**3:17:07**
